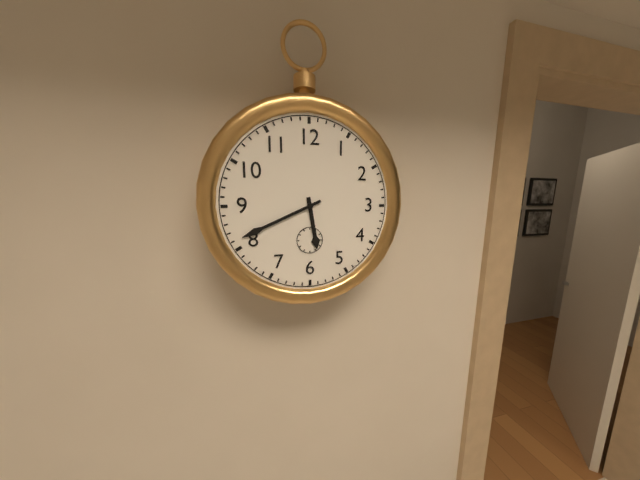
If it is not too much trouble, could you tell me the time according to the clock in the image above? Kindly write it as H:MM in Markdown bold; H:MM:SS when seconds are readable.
**5:41**
